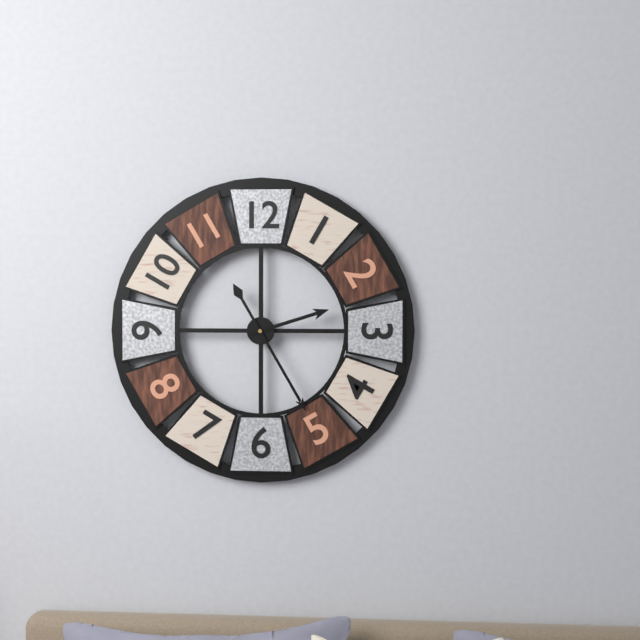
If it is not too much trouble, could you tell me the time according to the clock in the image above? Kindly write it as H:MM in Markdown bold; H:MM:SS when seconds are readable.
**2:25**
